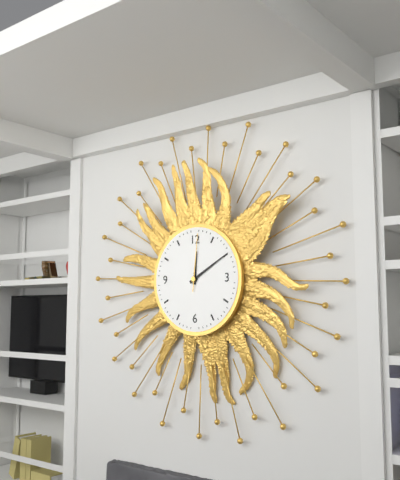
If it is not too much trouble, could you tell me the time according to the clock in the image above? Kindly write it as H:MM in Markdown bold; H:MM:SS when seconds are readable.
**12:10:01**
